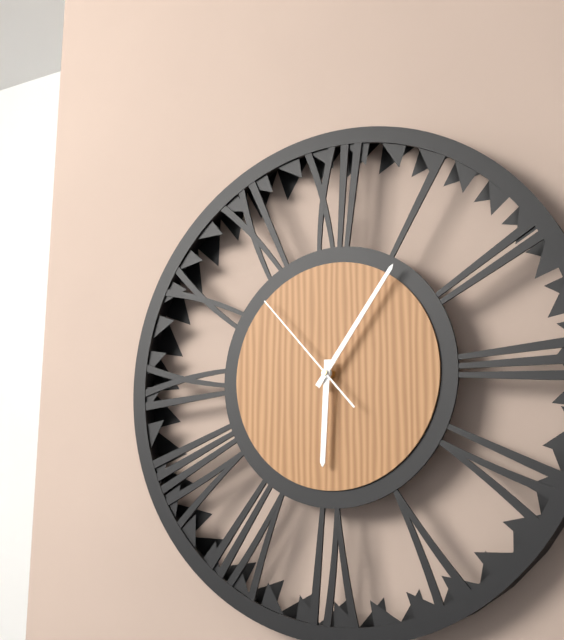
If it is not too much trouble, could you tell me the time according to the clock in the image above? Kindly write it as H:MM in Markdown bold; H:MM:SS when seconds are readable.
**6:06:53**
